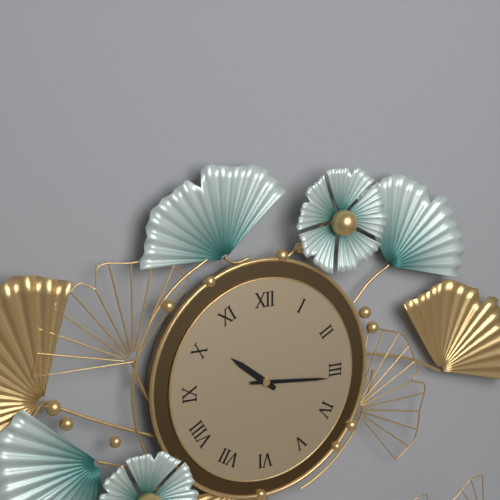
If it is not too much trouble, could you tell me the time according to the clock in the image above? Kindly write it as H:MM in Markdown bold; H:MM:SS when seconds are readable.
**10:16**
